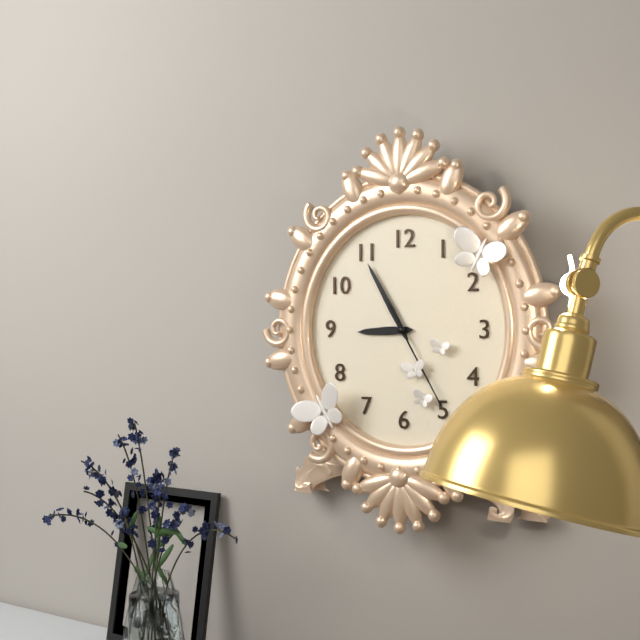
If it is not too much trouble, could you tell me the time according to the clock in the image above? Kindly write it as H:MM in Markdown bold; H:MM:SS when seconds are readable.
**8:55:25**
